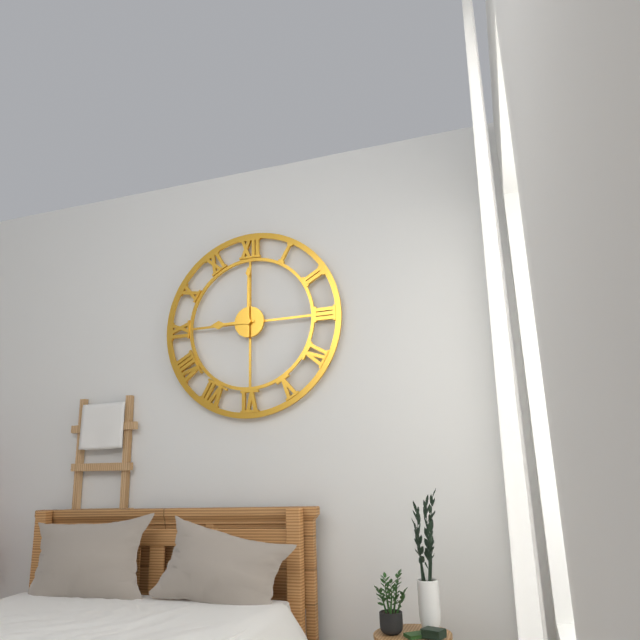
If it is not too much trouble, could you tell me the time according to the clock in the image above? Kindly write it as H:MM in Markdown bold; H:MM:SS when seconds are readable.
**9:00**
